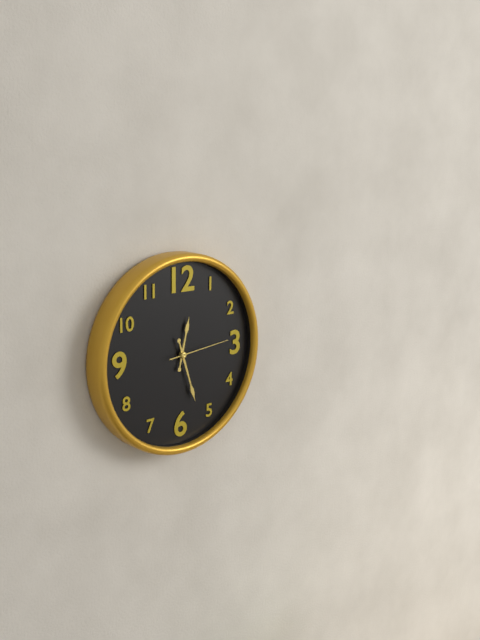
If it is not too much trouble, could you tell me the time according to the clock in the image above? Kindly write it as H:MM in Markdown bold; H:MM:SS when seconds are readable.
**12:27:14**
